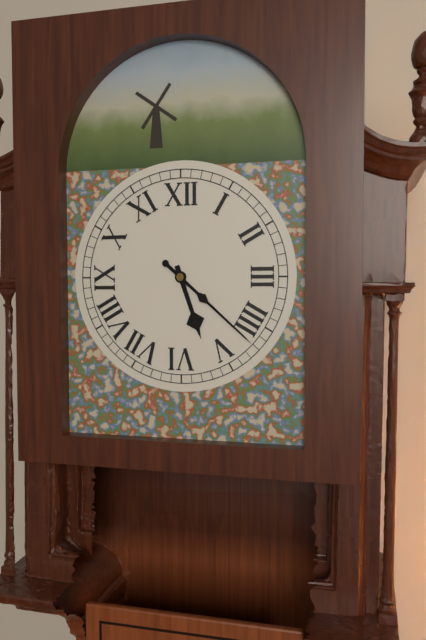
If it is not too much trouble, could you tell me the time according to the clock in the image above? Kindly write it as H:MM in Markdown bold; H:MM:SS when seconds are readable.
**5:22**
